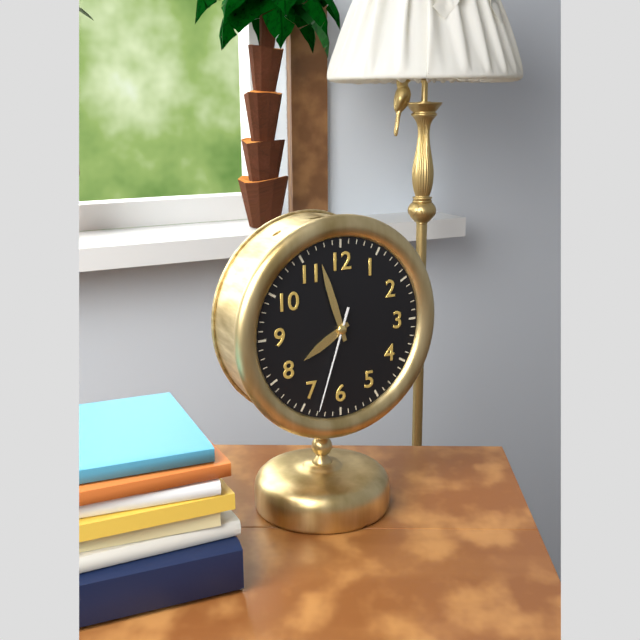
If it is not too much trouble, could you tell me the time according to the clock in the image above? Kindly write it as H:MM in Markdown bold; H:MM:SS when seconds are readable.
**7:57:33**
